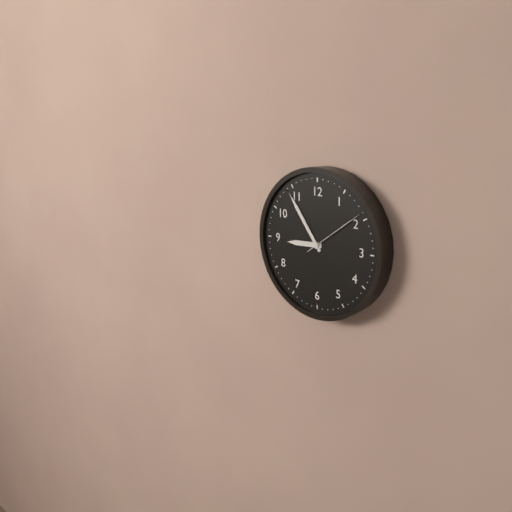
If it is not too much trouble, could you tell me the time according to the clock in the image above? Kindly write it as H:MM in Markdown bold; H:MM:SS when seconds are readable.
**8:54:09**
